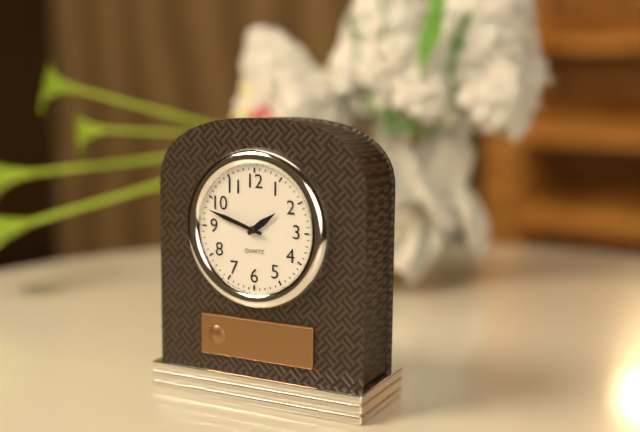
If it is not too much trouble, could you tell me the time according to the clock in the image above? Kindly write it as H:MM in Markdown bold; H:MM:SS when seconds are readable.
**1:48**
